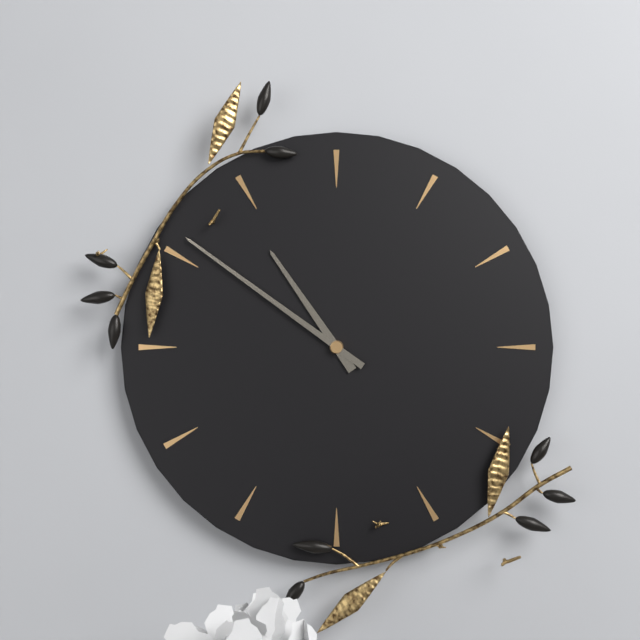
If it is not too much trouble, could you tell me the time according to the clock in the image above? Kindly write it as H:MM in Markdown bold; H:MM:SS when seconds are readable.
**10:51**
